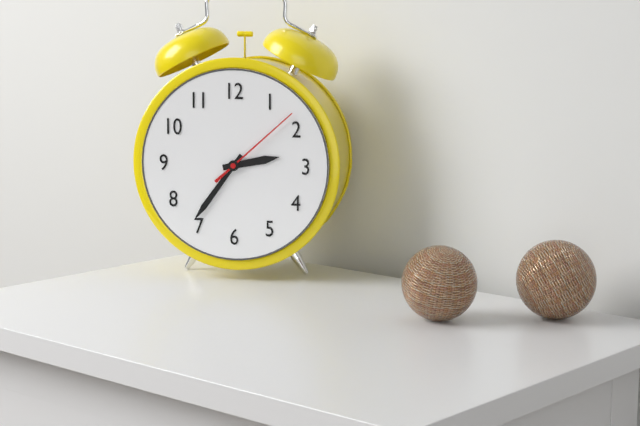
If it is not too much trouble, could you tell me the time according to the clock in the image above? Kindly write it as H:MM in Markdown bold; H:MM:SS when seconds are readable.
**2:36:08**
